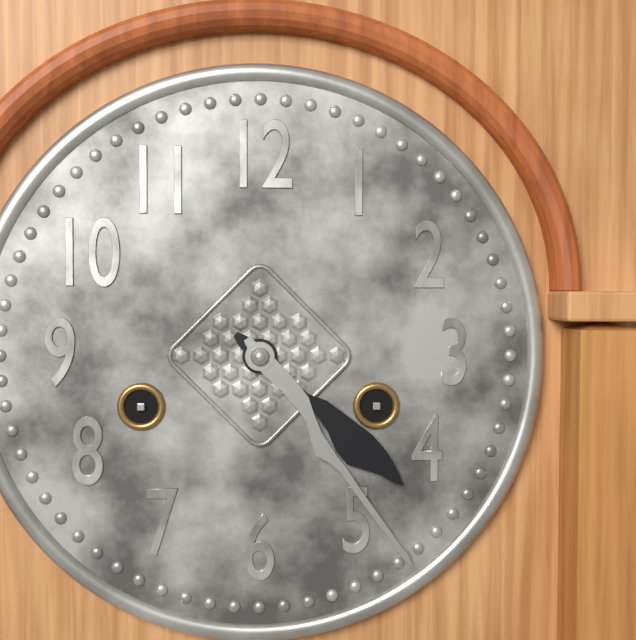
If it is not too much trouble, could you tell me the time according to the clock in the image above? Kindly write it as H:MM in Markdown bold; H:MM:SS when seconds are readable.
**4:24**
